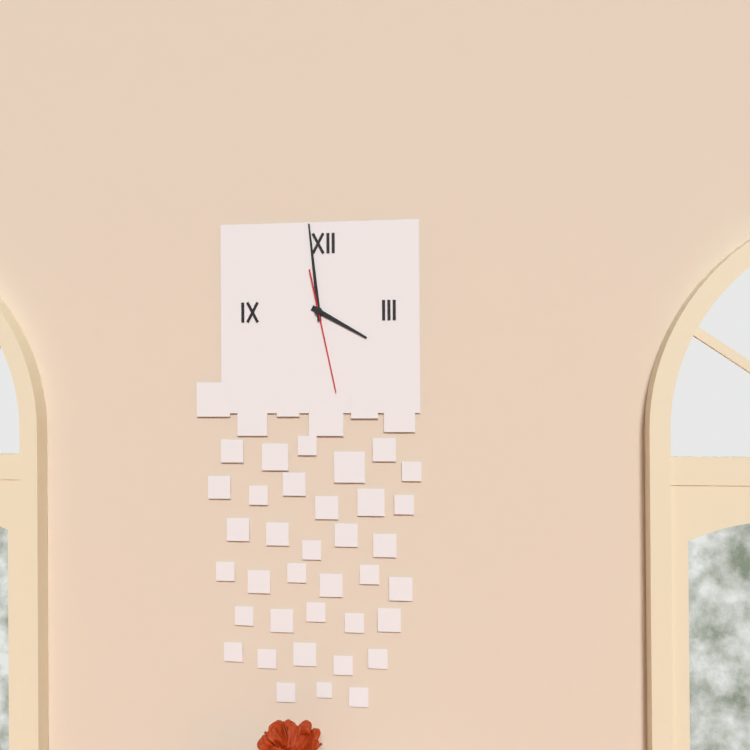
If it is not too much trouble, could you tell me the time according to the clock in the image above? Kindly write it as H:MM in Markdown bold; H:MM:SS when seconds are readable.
**3:59:28**
